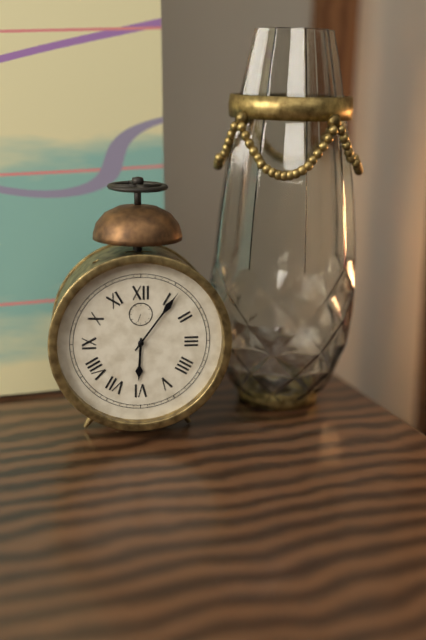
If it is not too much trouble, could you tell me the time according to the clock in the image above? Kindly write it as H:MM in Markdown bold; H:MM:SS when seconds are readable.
**6:06**
